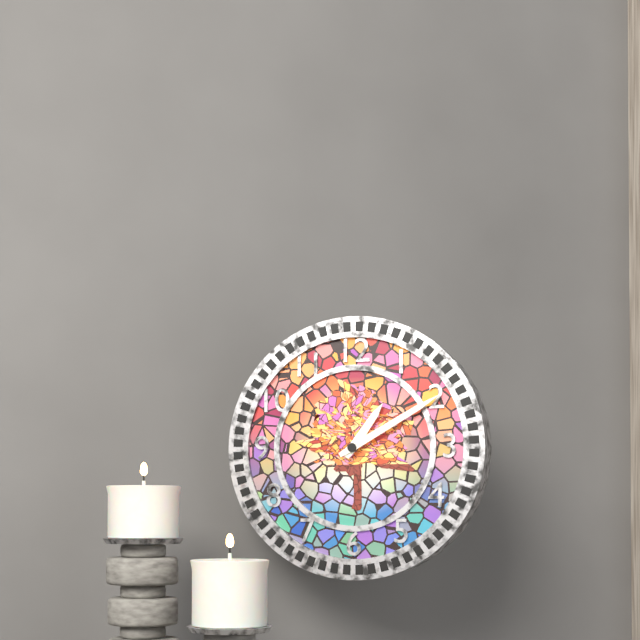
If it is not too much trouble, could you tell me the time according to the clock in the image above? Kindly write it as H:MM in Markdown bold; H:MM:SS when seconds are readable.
**1:10**
